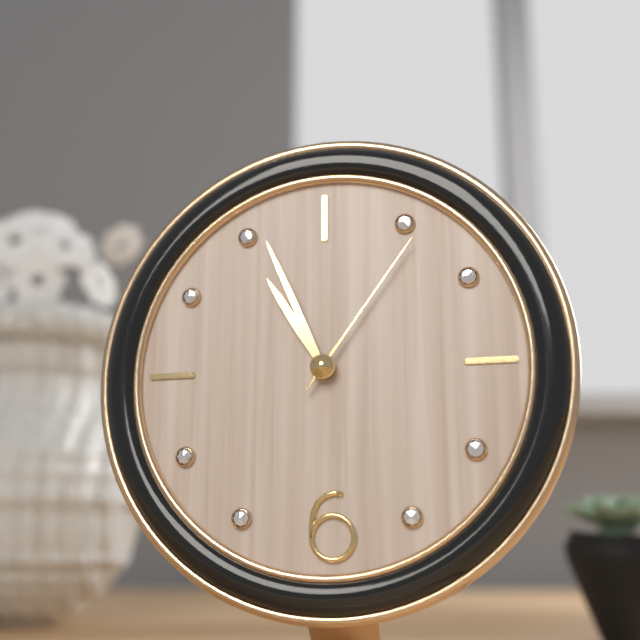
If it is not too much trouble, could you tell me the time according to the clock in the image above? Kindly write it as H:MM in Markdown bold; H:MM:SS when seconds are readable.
**10:56:06**
